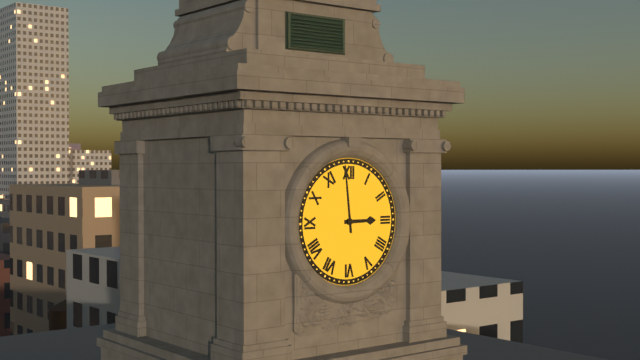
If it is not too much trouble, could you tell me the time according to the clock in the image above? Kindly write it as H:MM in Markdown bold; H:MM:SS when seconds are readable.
**2:59**
